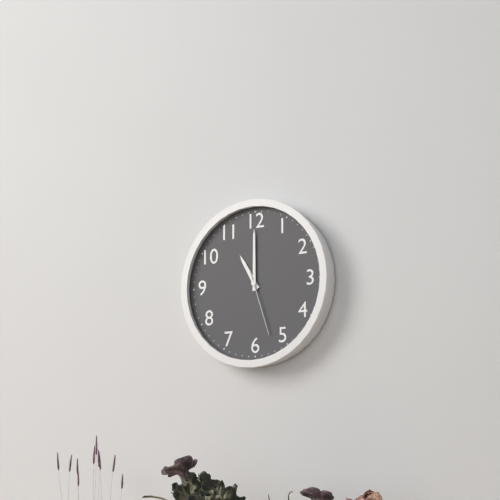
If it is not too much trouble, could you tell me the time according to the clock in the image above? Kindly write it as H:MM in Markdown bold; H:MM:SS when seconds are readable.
**11:00:27**
